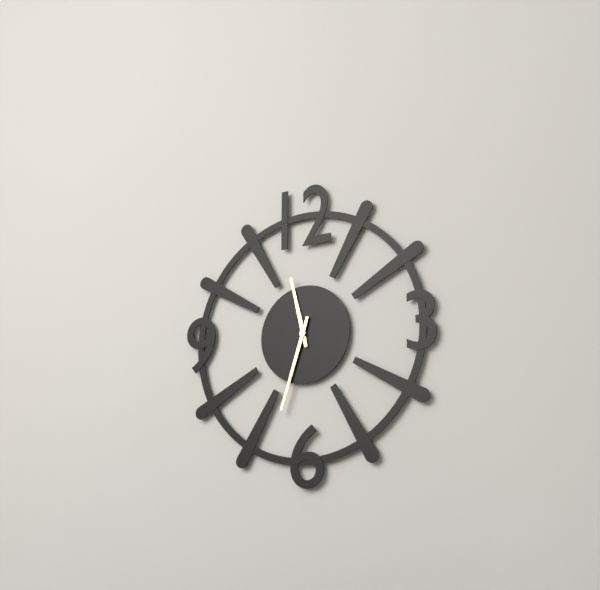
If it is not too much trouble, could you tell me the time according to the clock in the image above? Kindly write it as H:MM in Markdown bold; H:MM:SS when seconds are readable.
**11:33**
